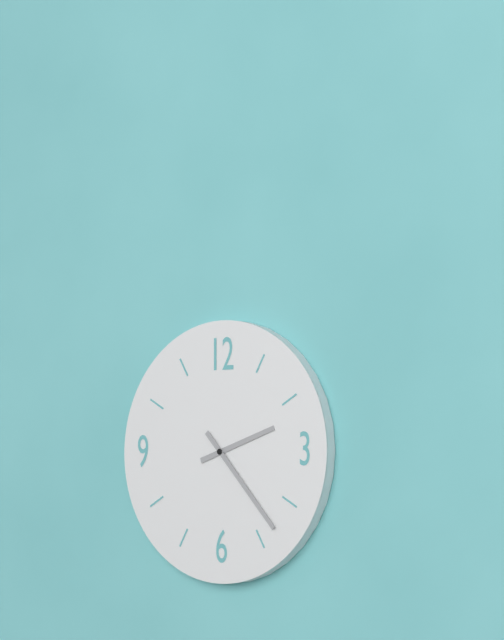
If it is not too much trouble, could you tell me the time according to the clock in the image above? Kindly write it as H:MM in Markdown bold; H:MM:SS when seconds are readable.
**2:23**
